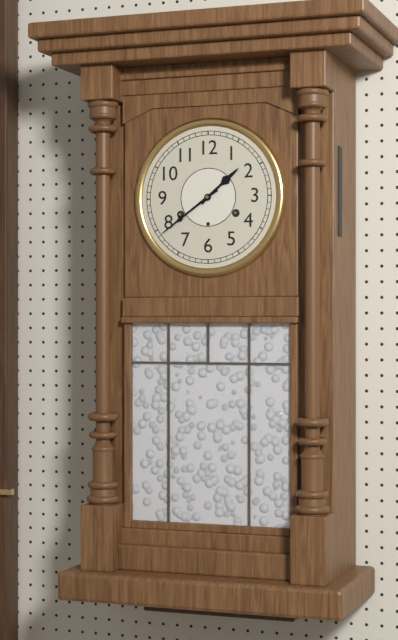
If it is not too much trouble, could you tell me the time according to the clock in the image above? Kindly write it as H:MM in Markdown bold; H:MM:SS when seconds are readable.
**1:39**
